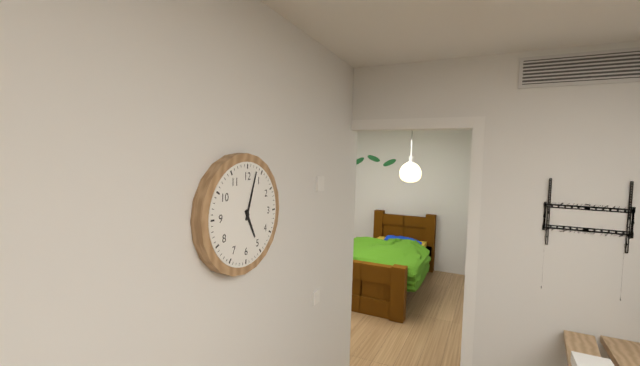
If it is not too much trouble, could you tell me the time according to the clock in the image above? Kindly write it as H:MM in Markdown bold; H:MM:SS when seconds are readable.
**5:03**
